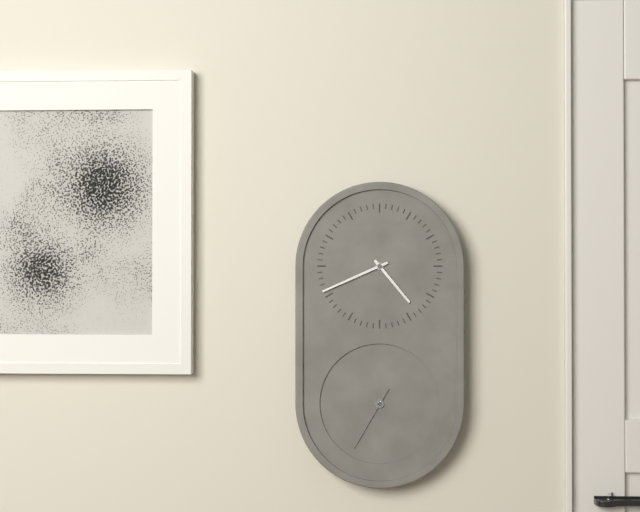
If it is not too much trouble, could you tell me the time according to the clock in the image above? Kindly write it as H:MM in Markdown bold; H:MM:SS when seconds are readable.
**4:41:35**
